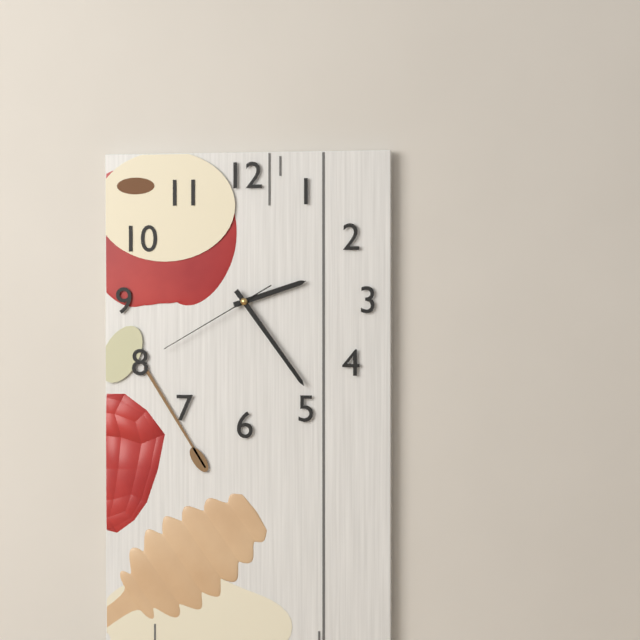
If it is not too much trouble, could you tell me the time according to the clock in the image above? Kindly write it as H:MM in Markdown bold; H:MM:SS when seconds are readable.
**2:24:40**
